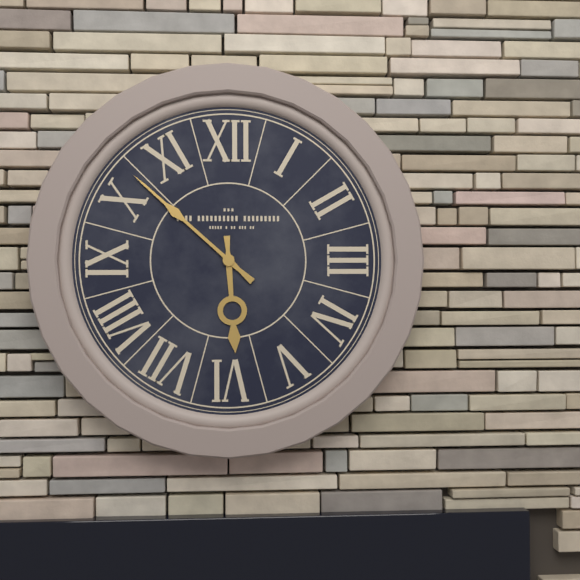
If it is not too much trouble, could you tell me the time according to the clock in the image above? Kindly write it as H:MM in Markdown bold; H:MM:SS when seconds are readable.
**5:52**
